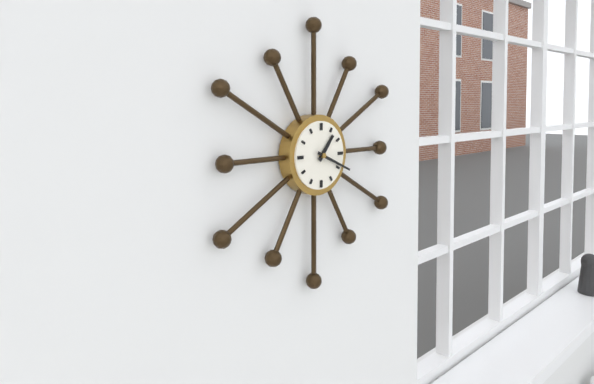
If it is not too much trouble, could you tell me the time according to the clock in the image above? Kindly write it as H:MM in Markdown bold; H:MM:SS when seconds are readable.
**1:19**
